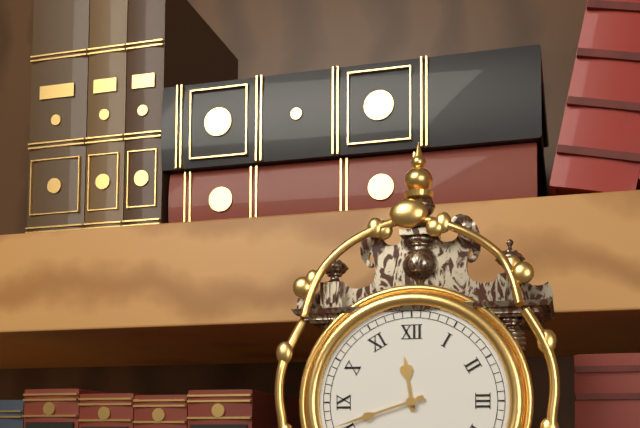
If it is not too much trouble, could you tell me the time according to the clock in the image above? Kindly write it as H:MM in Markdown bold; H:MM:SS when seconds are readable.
**11:42**
